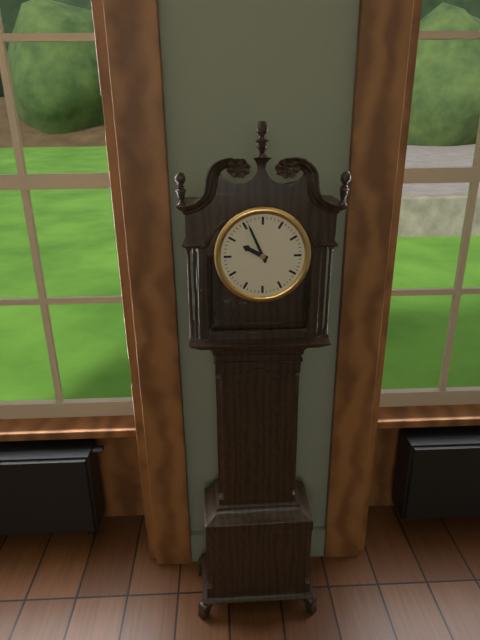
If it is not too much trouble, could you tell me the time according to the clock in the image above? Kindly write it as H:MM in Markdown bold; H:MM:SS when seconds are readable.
**9:56**
